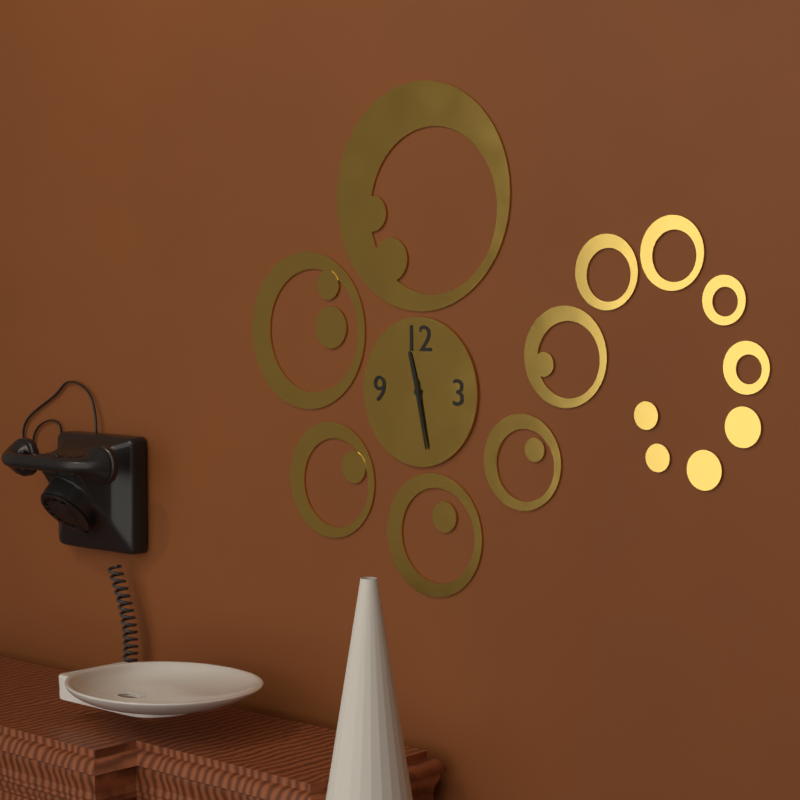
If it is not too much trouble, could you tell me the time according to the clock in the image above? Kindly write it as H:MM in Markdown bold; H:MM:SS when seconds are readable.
**11:28**
